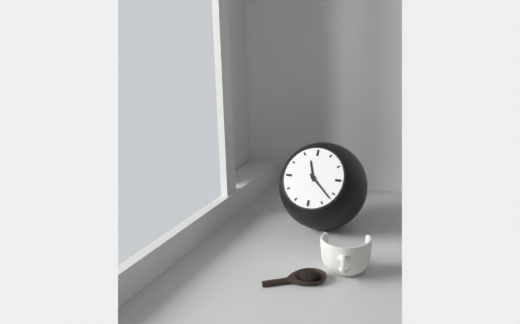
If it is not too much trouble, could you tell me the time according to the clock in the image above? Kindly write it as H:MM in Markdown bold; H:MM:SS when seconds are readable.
**11:22**
